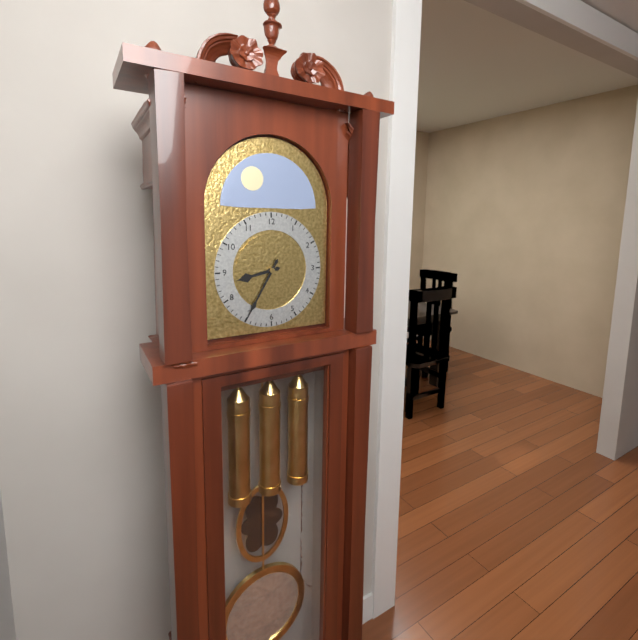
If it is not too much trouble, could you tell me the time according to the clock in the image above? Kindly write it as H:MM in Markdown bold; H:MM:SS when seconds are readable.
**8:35**
